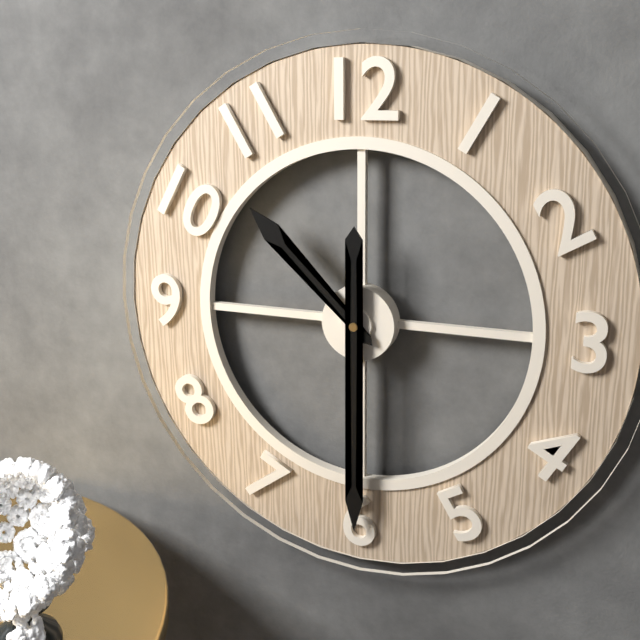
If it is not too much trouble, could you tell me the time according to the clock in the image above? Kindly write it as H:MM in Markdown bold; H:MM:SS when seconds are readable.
**10:30**
